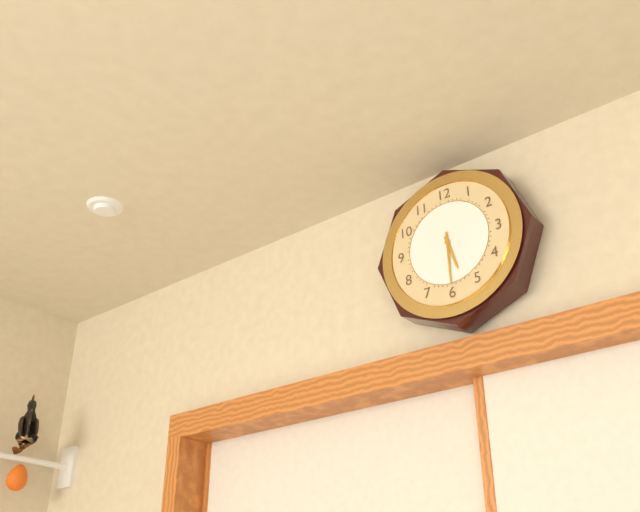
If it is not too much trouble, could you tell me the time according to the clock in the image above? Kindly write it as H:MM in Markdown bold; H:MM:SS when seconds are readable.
**5:30**
